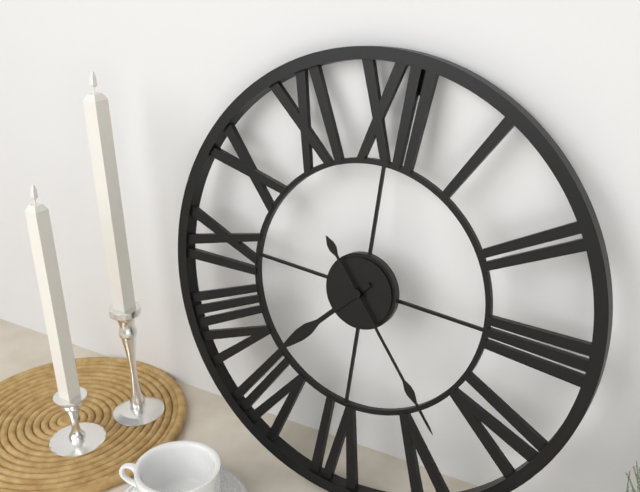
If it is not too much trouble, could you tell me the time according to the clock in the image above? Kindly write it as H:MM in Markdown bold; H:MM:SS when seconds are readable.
**7:23**
